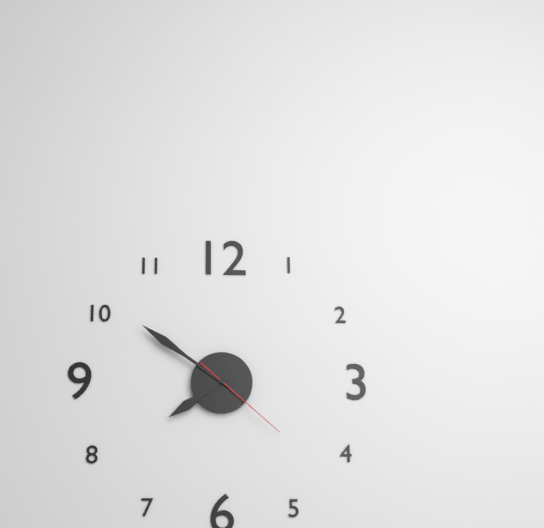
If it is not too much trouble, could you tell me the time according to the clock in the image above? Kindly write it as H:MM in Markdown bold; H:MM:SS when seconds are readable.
**7:51:22**
